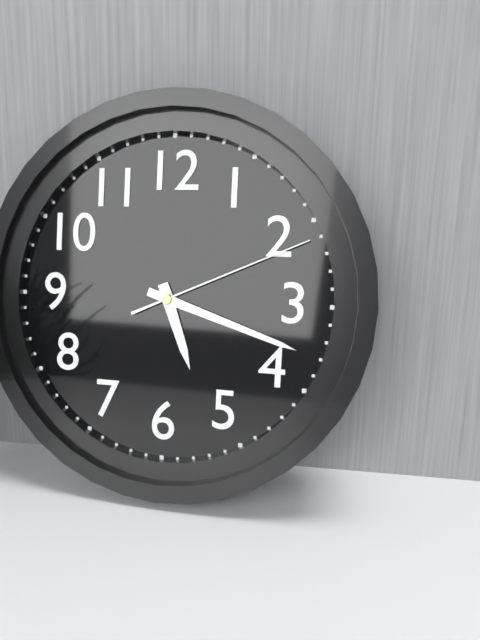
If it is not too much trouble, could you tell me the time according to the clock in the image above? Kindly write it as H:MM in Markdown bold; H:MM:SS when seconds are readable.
**5:18:11**
